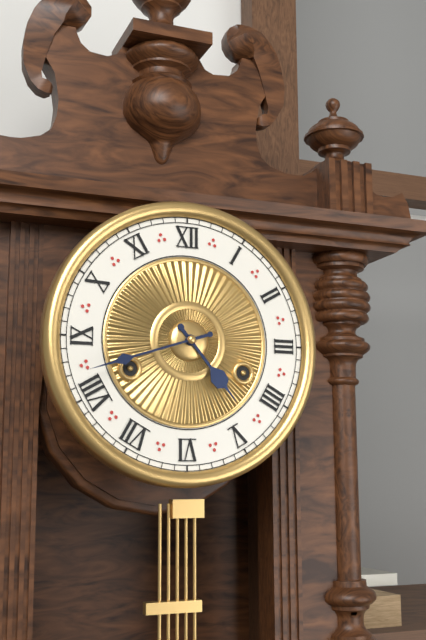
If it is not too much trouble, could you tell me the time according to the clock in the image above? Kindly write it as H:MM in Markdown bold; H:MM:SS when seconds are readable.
**4:42**
